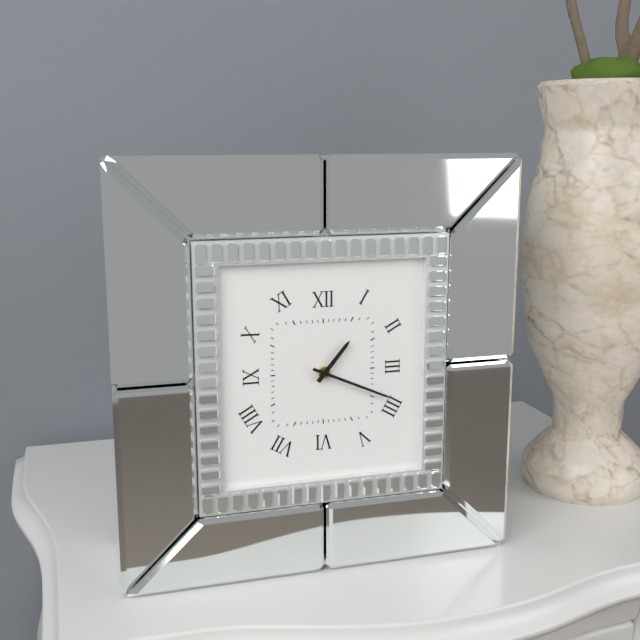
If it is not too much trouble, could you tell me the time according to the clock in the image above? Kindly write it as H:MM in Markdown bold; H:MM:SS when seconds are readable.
**1:19**
